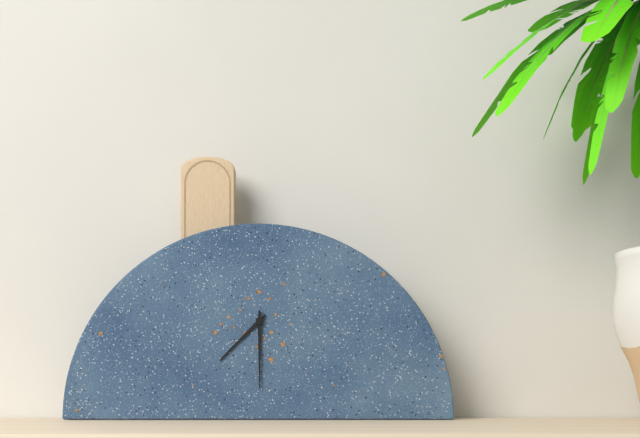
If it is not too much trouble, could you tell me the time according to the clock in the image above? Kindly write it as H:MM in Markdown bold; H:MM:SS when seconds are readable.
**7:30**
